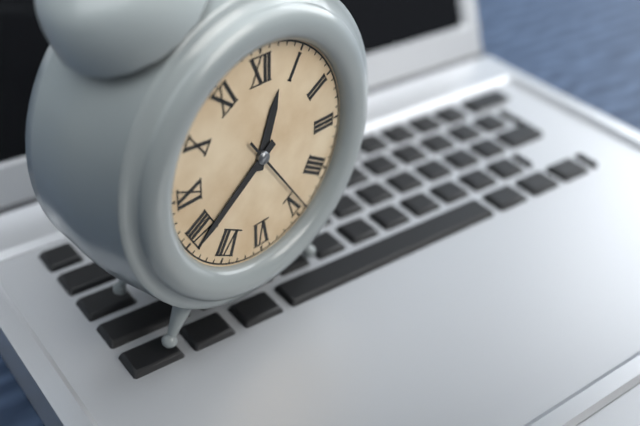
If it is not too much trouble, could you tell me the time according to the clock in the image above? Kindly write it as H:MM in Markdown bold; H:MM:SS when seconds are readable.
**12:39:24**
